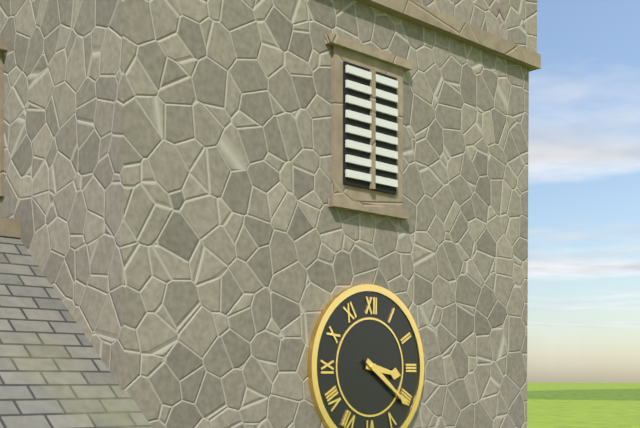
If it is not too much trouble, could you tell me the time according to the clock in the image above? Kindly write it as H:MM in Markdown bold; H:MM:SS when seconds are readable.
**3:21**
